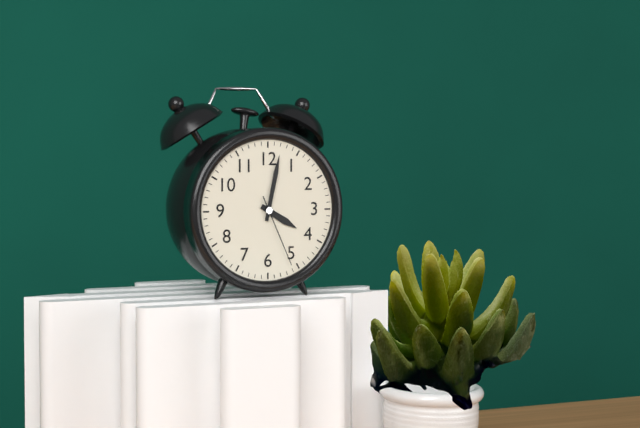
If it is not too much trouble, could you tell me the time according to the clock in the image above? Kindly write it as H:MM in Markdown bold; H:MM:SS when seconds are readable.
**4:02:26**
